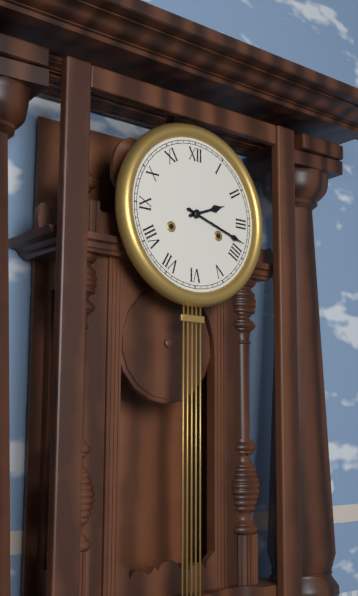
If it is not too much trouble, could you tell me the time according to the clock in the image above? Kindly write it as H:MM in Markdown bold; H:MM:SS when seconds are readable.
**2:18**
